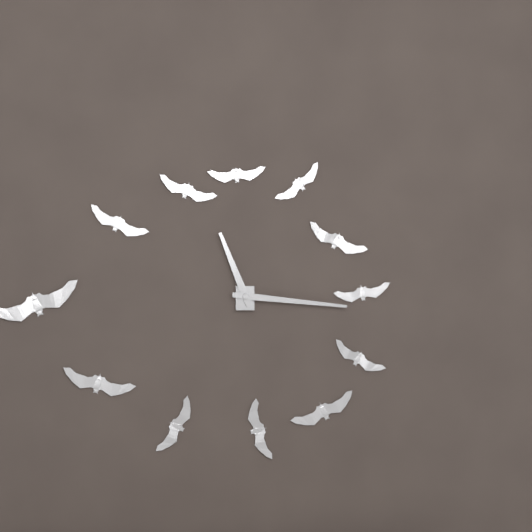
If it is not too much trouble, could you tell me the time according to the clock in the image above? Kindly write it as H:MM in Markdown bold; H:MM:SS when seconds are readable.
**11:16**
